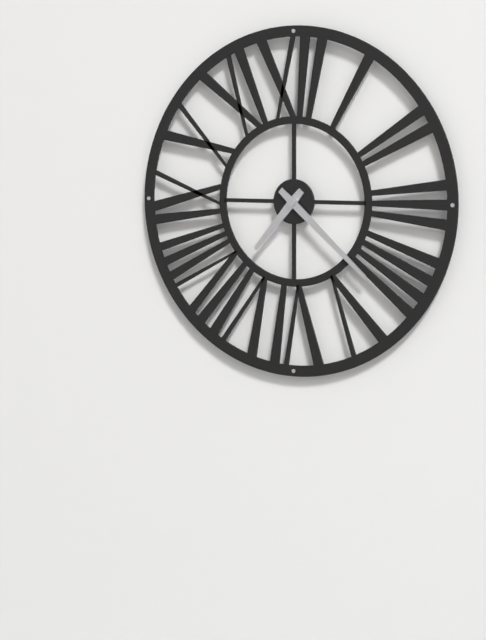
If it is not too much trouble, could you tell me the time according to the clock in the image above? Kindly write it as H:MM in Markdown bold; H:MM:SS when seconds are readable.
**7:22**
